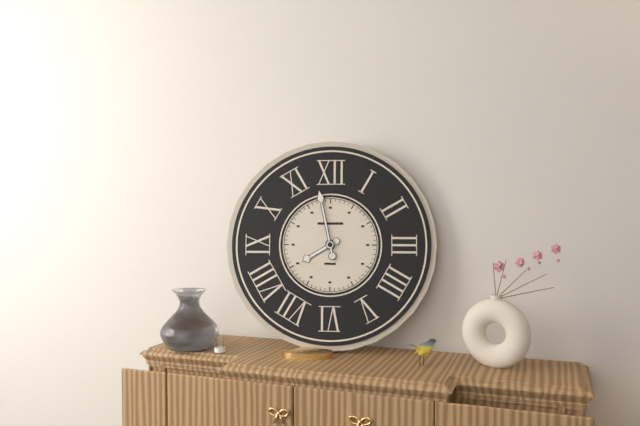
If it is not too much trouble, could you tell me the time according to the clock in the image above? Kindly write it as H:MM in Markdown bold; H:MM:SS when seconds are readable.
**7:58**
